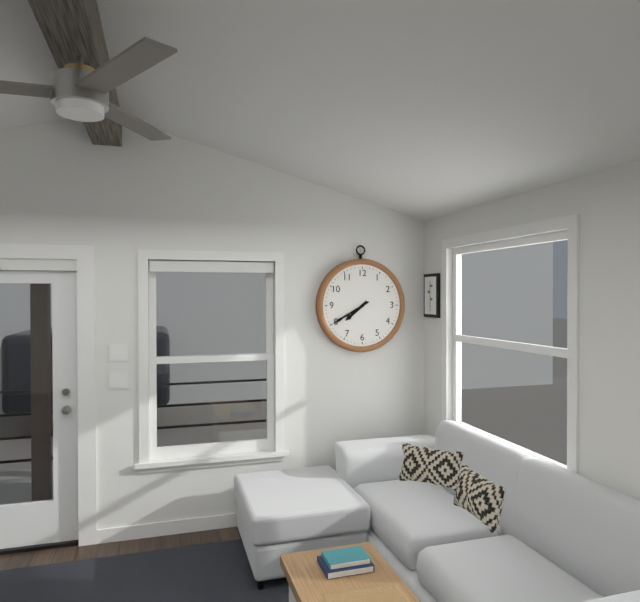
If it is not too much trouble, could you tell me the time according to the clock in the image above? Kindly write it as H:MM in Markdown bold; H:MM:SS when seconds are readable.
**7:40**
